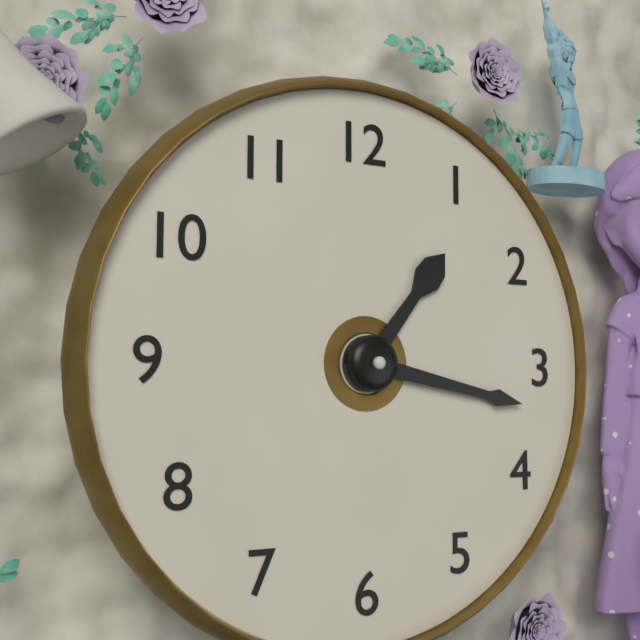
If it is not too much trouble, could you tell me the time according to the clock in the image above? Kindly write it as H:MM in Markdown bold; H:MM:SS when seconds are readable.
**1:17**
